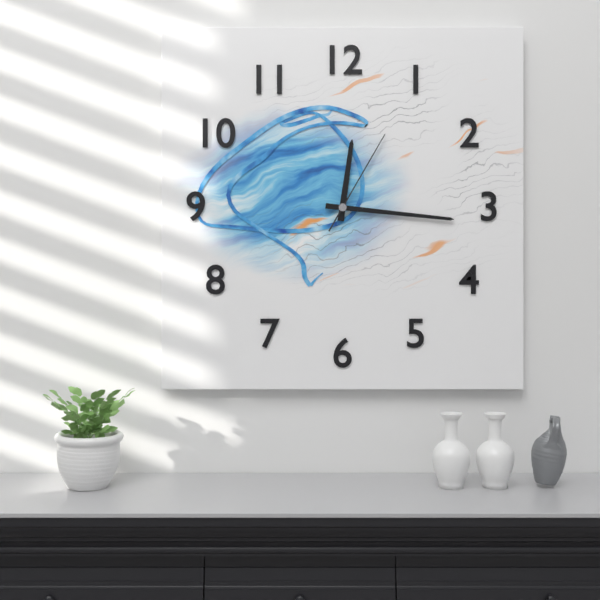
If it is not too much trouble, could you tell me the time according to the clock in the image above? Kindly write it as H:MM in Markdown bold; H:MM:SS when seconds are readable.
**12:16:05**
